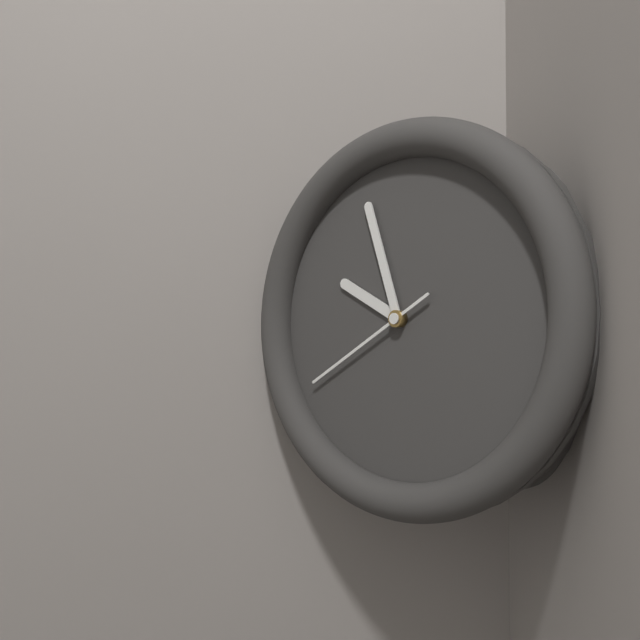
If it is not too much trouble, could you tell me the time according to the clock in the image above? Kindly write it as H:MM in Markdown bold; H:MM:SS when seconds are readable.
**9:57:40**
